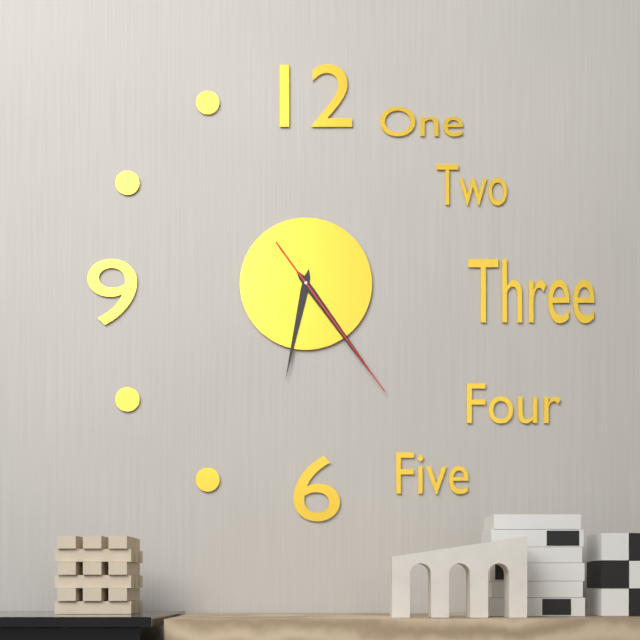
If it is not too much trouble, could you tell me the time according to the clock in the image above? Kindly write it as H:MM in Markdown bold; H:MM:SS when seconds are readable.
**6:24:24**
